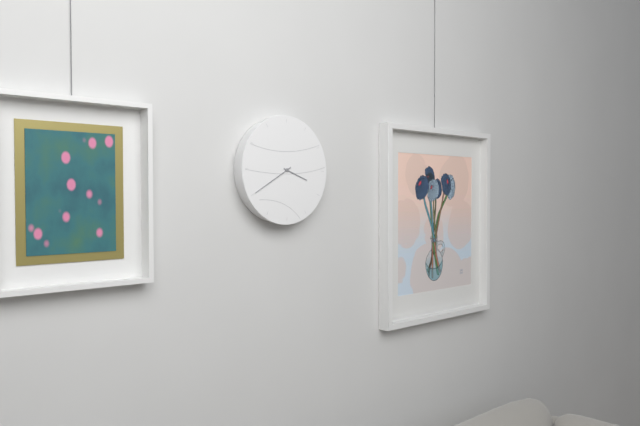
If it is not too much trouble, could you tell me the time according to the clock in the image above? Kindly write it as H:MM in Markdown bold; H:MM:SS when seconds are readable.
**3:40**
